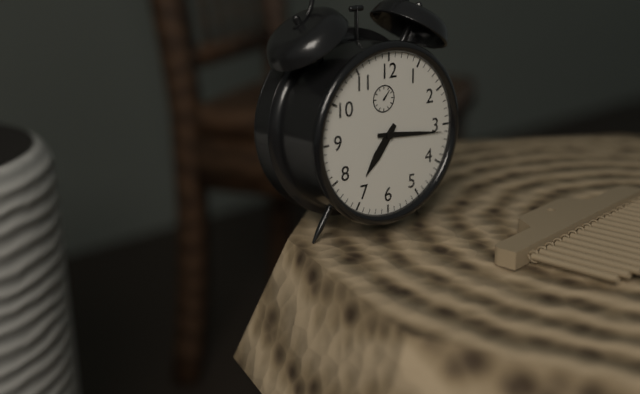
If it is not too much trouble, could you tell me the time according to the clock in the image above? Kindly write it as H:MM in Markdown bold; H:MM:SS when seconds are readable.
**7:16**
